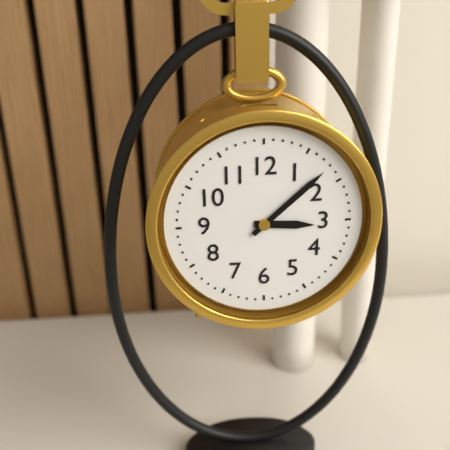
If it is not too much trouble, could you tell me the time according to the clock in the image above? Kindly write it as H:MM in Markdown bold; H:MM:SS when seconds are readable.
**3:08**
